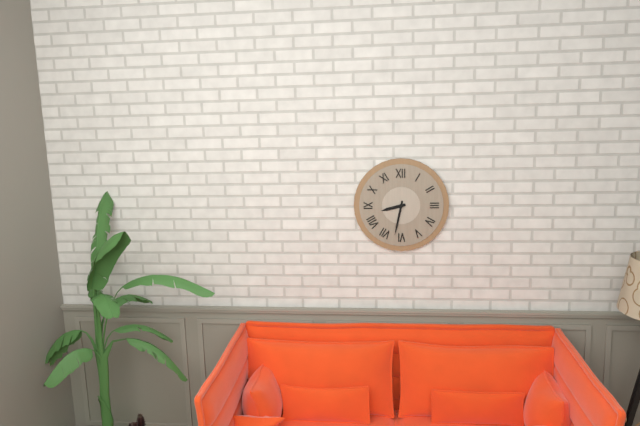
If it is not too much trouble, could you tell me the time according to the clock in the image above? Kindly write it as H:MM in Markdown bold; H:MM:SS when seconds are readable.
**8:32**
